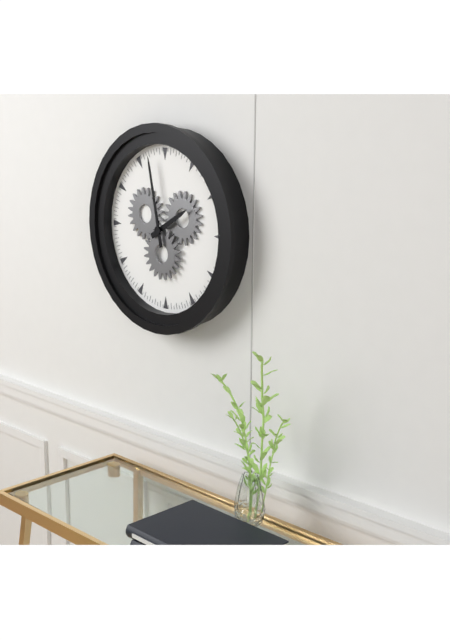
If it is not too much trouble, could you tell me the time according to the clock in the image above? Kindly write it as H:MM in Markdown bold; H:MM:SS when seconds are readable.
**1:58**
